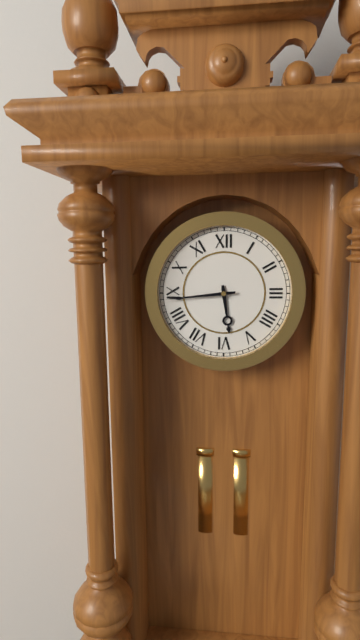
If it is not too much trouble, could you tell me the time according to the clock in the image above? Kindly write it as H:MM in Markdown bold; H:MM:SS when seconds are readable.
**5:44**
